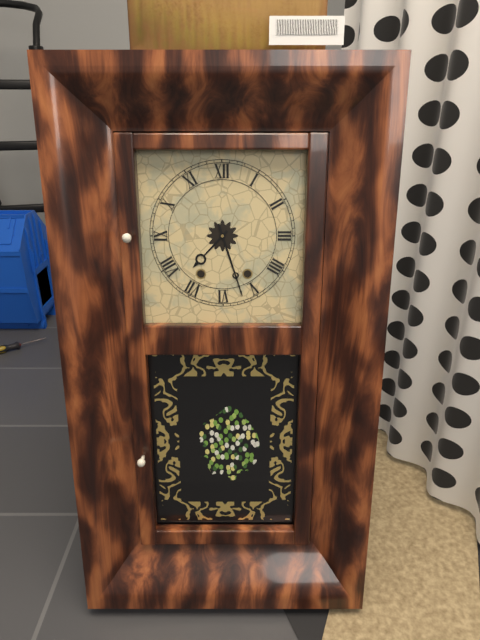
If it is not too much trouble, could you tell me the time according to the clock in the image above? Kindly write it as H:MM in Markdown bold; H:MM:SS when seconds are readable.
**7:27**
